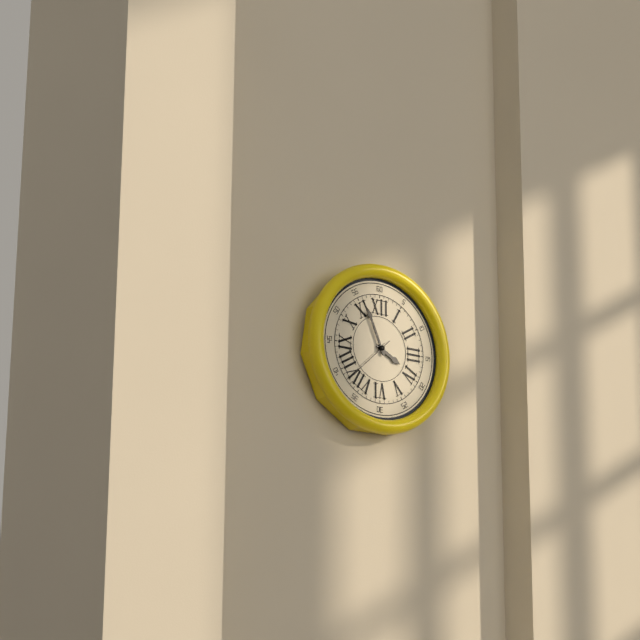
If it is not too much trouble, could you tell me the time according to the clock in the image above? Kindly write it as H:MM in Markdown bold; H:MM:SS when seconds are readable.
**3:56**
